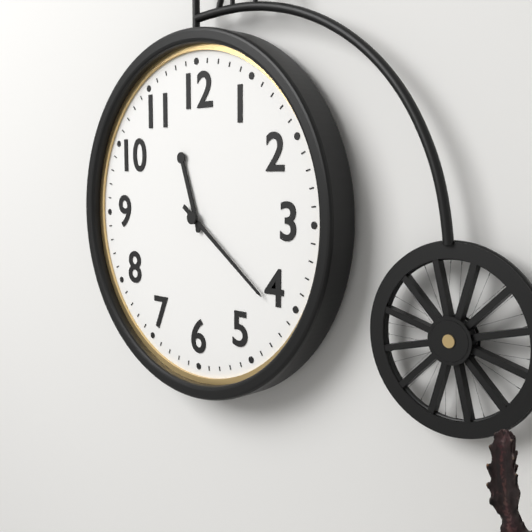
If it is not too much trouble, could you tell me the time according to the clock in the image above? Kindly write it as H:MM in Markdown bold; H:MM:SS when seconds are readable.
**11:21**
